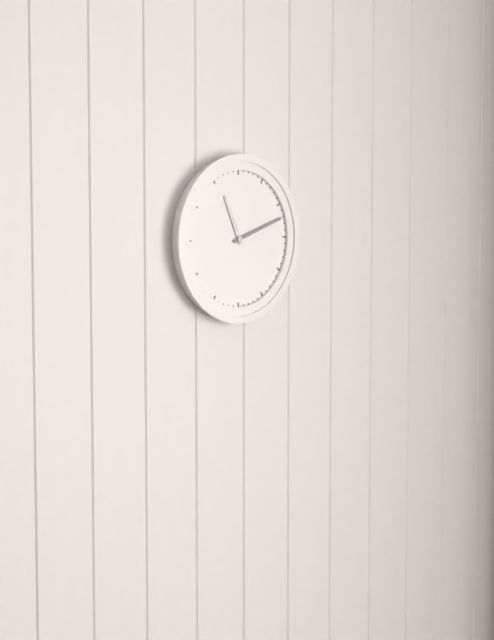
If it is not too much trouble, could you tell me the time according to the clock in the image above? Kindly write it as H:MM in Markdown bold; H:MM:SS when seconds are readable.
**11:12**
